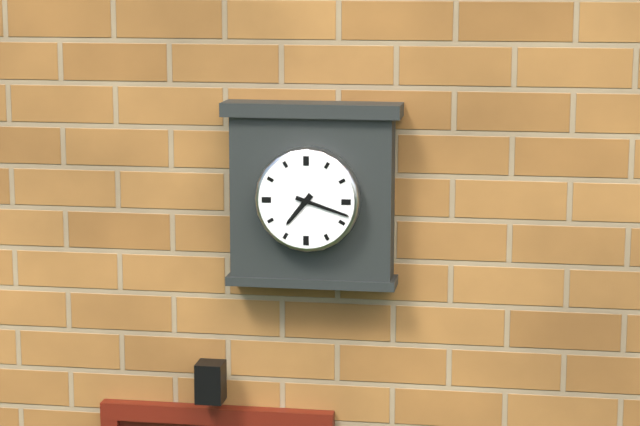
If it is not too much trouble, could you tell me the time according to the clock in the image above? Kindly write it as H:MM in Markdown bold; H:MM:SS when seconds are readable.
**7:18**
